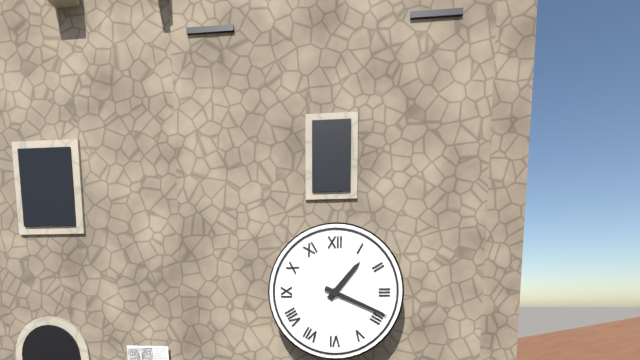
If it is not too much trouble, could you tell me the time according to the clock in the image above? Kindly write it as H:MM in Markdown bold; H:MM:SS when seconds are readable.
**1:19**
